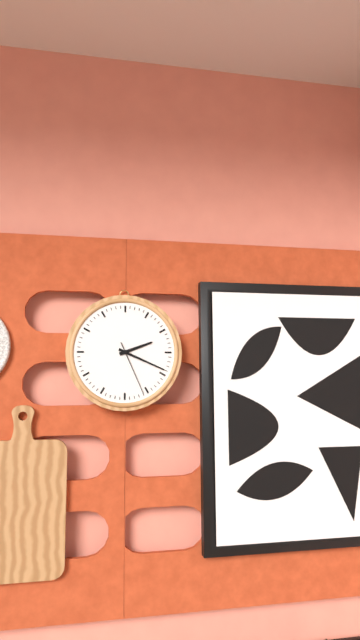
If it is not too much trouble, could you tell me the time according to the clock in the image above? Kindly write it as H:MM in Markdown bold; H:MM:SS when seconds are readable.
**2:19:26**
